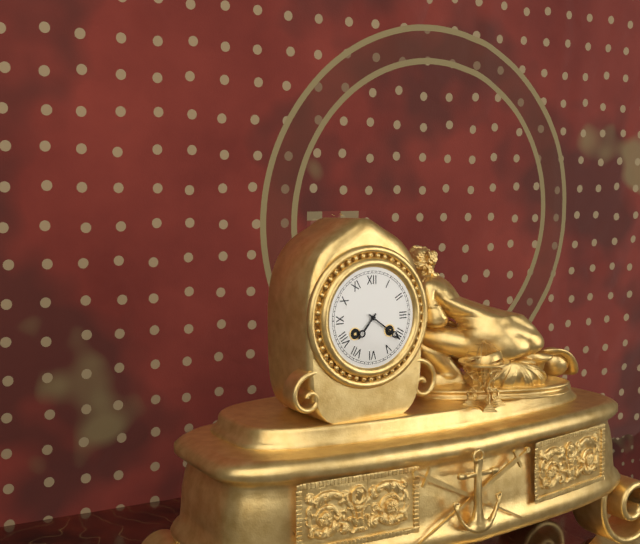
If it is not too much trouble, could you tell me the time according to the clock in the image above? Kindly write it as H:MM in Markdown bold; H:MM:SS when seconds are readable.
**7:21**
